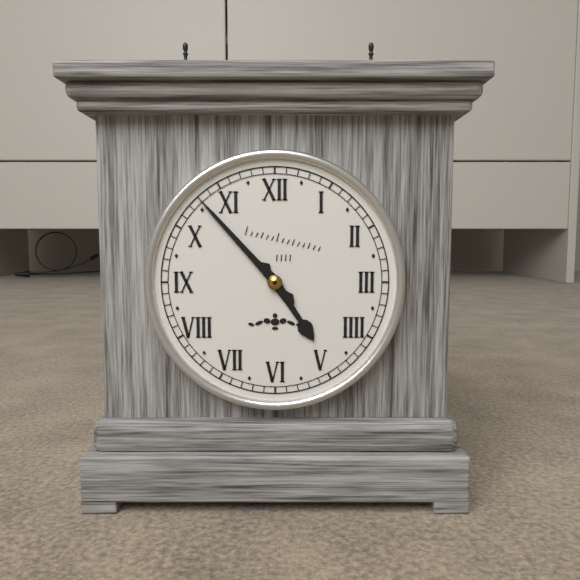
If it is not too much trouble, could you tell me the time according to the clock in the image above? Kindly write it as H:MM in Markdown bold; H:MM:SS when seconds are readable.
**4:53**
